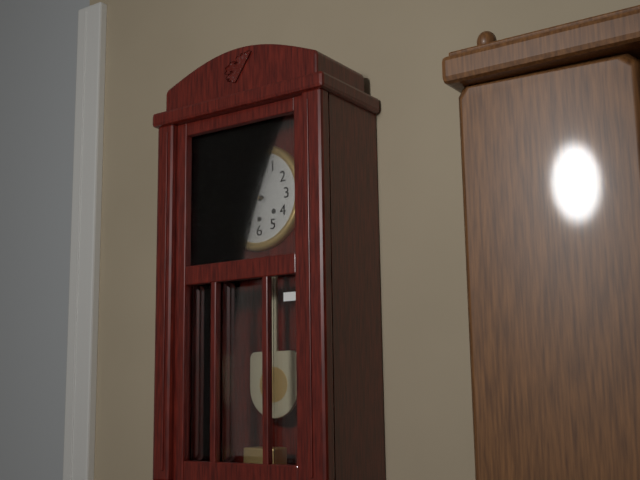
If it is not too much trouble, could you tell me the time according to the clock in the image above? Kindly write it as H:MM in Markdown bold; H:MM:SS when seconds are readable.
**10:46**
